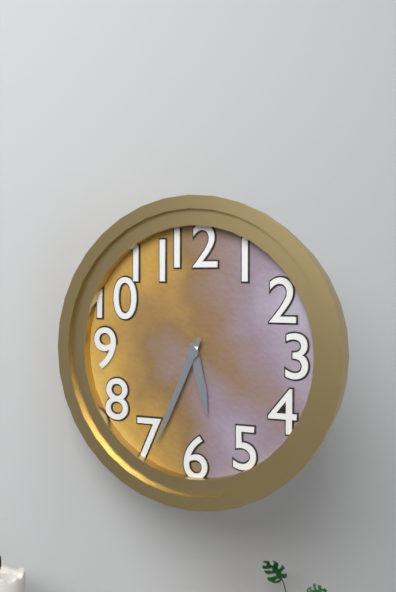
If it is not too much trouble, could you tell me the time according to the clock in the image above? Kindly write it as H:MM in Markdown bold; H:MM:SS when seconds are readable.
**5:34**
